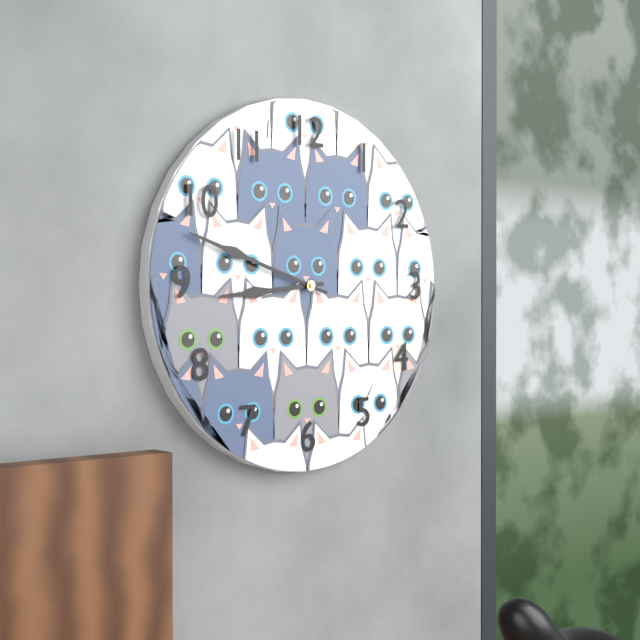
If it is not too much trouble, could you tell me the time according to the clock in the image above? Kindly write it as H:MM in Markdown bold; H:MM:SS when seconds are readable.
**8:48**
